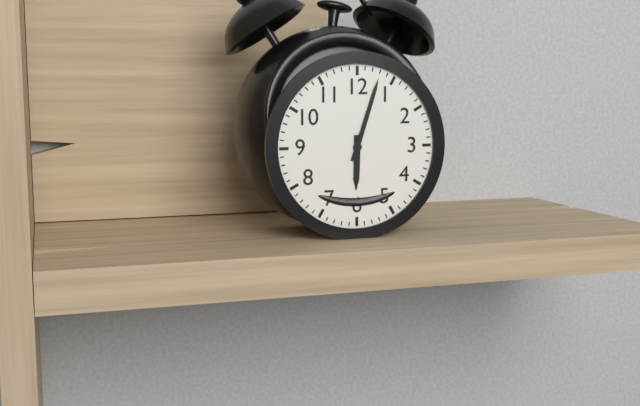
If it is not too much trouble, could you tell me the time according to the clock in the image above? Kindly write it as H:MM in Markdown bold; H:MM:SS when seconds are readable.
**6:03**
